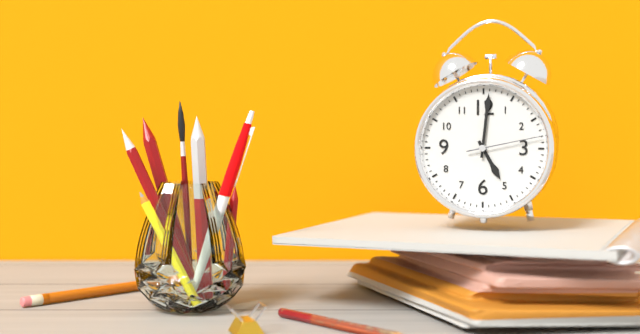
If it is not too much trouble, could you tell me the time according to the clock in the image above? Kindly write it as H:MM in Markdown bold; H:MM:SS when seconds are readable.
**5:01:13**
